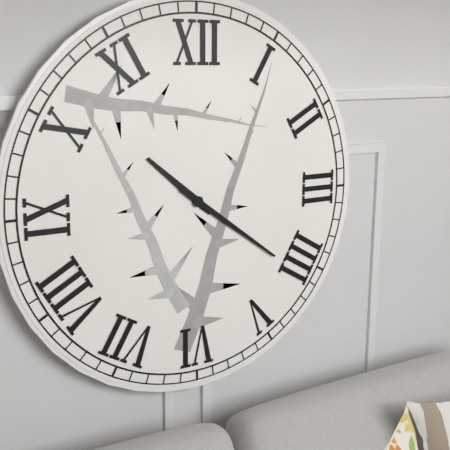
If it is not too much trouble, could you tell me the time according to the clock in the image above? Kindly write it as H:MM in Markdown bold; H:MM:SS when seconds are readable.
**10:21**
